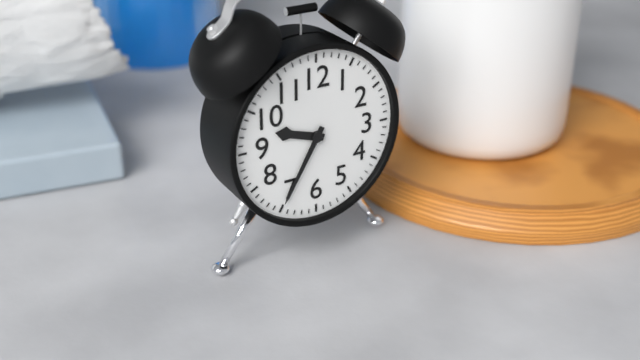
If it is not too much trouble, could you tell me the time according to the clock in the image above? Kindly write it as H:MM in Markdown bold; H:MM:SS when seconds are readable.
**9:35**
